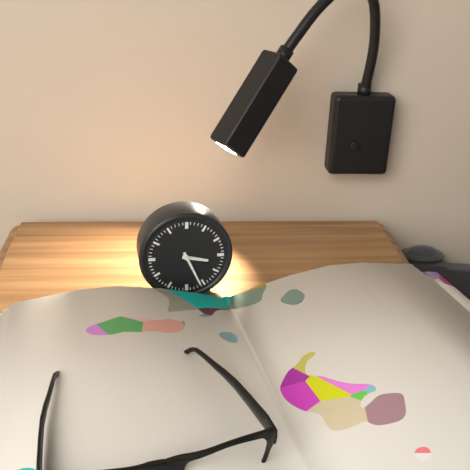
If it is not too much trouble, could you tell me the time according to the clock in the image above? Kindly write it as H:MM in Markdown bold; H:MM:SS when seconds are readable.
**3:26**
